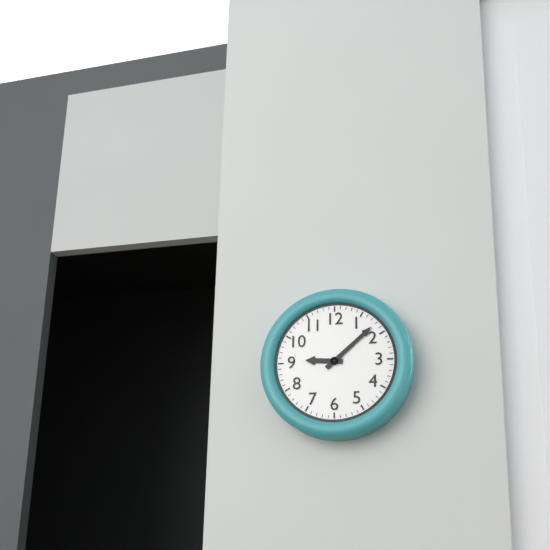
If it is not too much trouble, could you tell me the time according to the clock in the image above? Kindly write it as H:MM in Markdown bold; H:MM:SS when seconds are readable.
**9:08**
